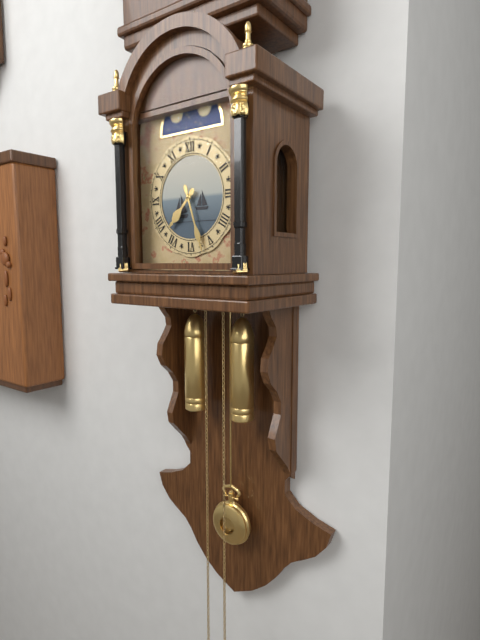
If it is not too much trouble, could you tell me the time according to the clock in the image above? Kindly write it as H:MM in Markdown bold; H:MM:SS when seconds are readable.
**7:27**
